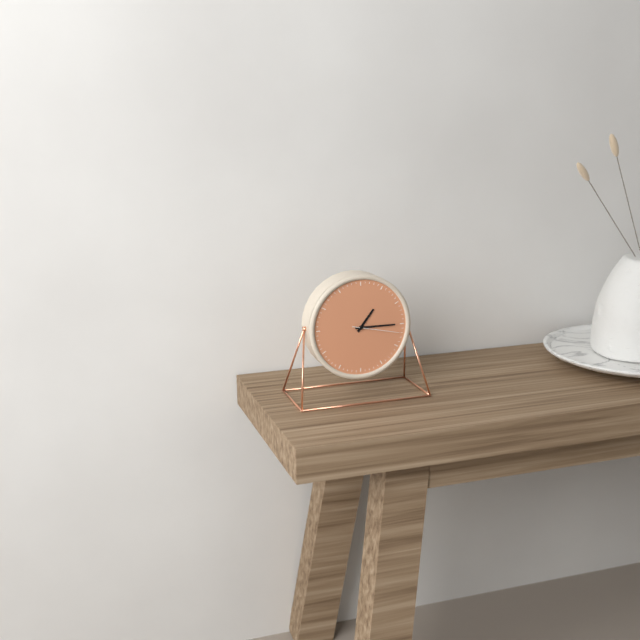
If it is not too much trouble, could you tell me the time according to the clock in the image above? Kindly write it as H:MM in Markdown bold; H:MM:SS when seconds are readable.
**1:15**
